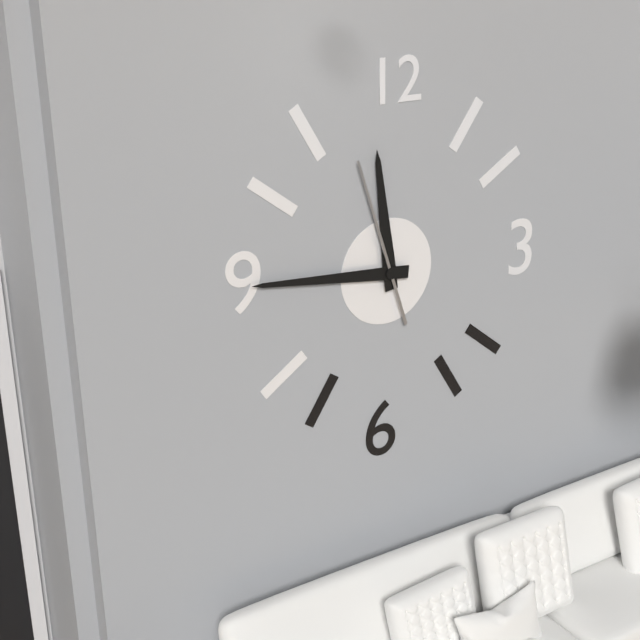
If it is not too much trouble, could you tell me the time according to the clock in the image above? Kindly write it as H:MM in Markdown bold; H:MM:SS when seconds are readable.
**11:46:57**
